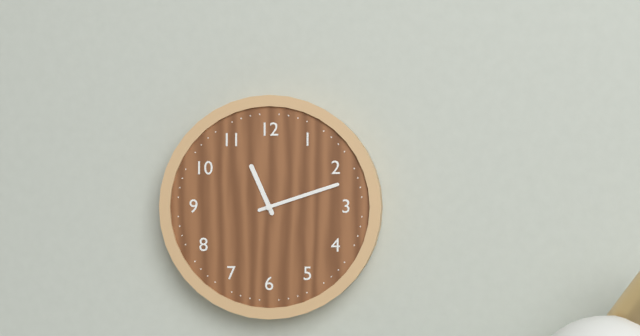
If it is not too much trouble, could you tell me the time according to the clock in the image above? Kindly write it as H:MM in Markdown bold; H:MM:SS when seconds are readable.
**11:12**
